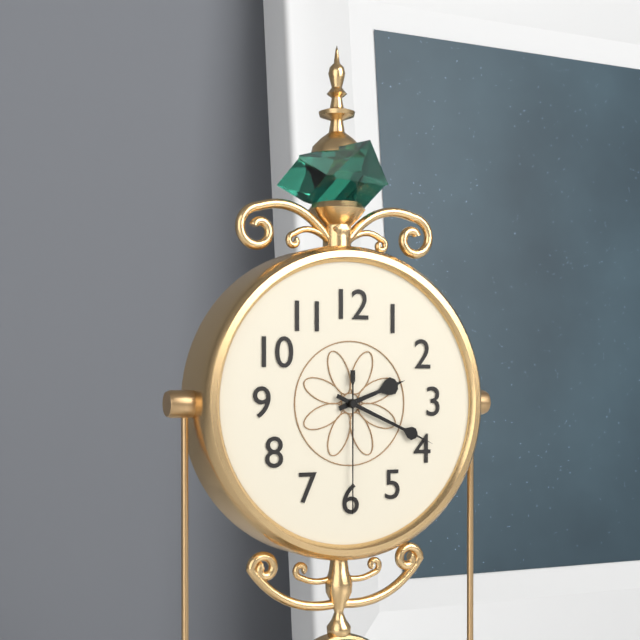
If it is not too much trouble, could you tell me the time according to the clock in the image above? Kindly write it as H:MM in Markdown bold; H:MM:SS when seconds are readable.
**2:19:30**
